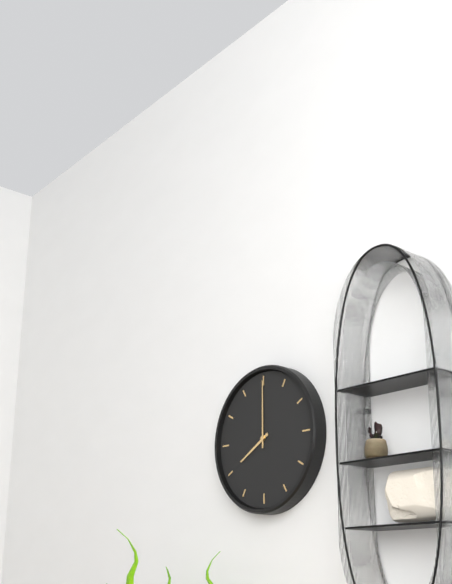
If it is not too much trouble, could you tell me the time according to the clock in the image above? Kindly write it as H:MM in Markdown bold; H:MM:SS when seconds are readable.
**8:00**
